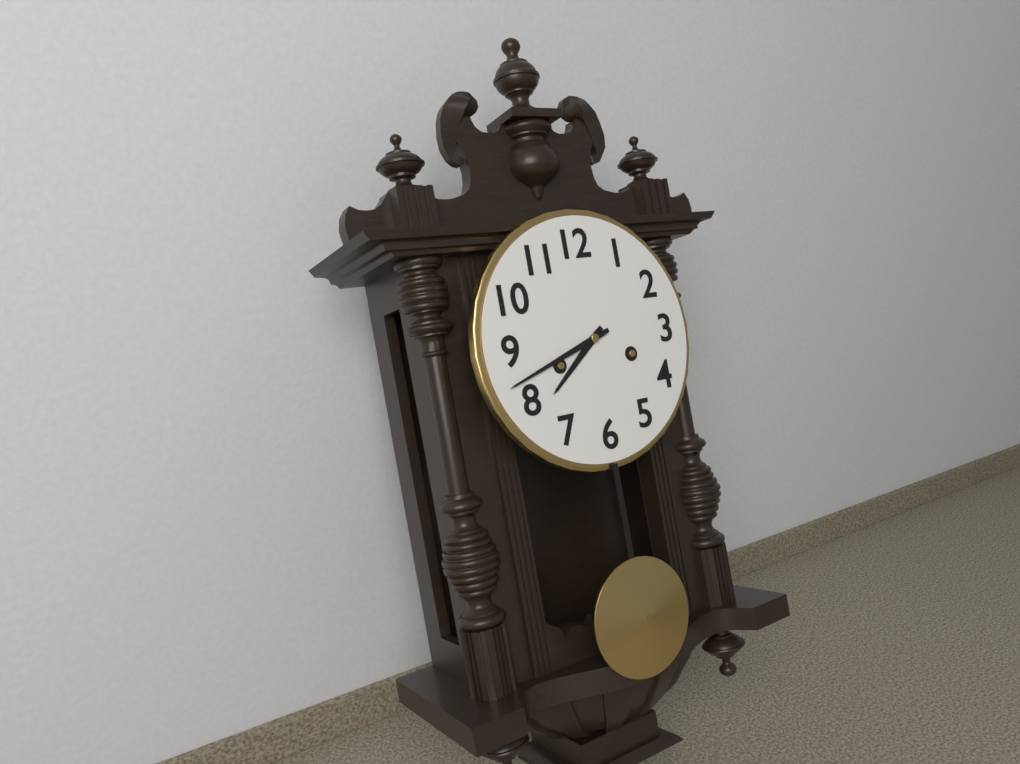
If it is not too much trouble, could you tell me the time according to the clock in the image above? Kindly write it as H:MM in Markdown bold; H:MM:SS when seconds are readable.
**7:42**
